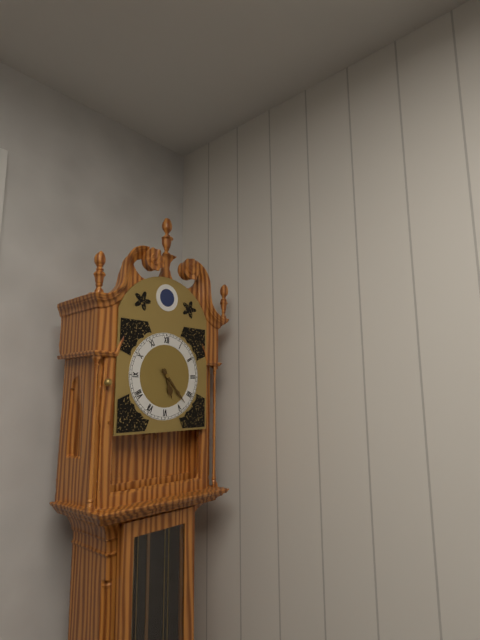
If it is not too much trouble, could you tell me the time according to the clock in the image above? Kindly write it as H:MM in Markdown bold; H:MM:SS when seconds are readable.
**5:23**
